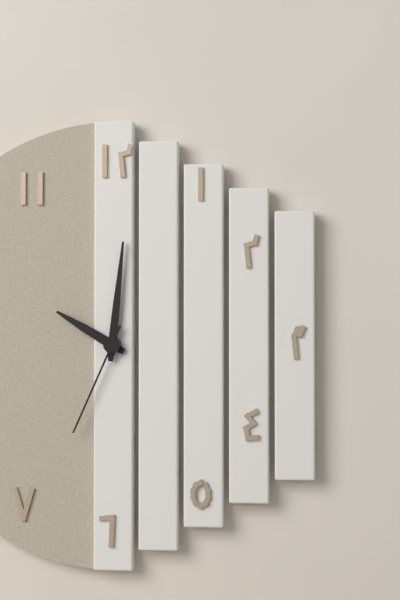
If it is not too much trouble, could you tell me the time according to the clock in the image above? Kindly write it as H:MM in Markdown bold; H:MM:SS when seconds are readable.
**10:01:34**
